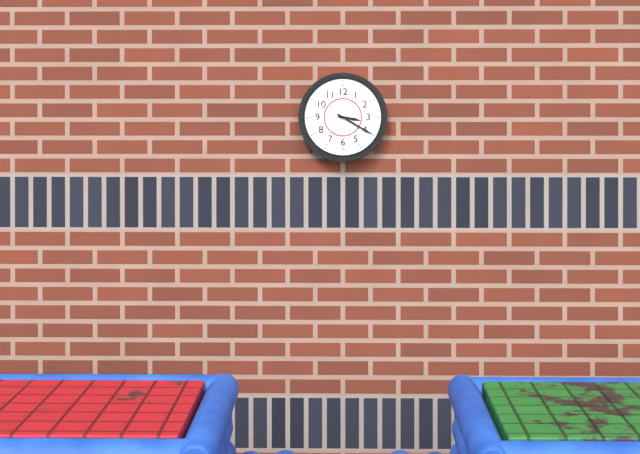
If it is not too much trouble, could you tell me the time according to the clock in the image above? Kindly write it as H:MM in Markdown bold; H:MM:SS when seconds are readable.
**3:20**
